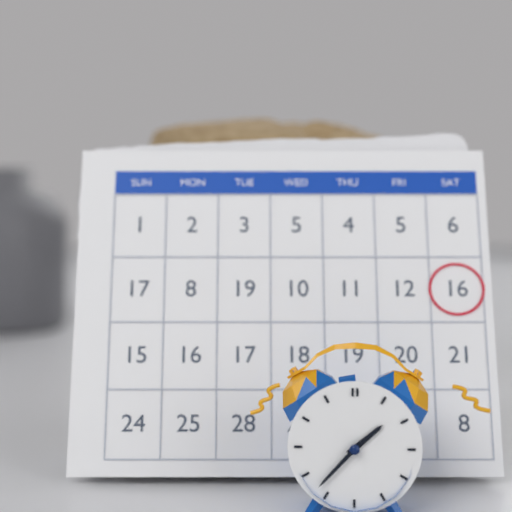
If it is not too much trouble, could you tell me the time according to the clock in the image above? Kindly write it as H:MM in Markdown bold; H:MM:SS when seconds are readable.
**1:37**
